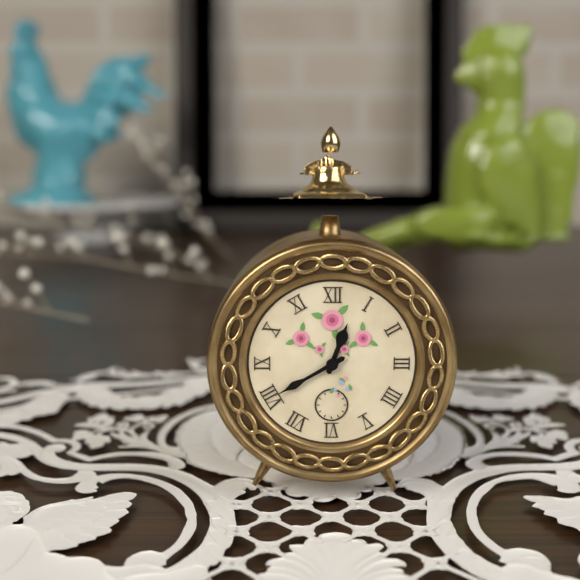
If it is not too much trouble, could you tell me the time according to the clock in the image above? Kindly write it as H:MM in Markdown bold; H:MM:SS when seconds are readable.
**12:40**
